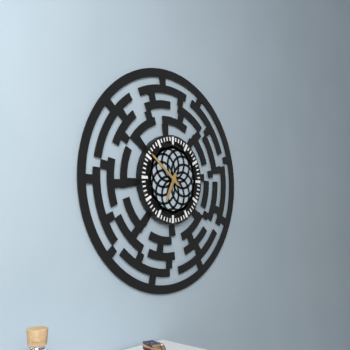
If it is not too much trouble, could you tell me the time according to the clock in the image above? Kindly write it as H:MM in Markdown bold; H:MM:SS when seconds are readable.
**6:51**
